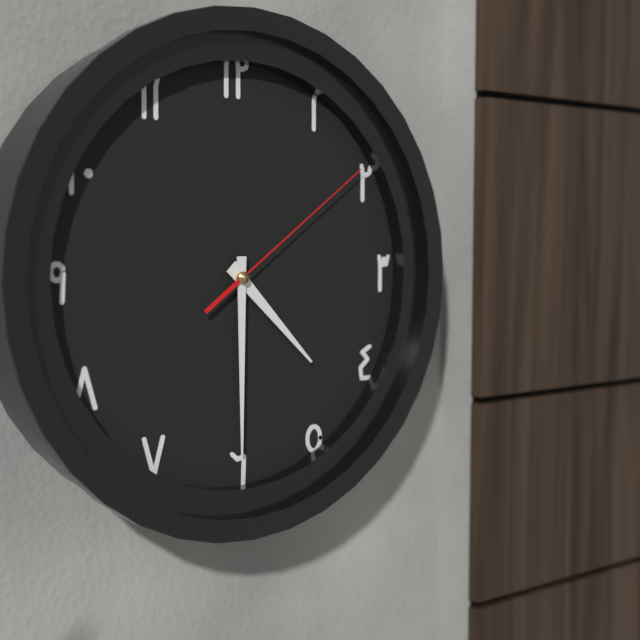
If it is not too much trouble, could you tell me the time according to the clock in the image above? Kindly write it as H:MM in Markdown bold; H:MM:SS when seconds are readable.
**4:30:09**
